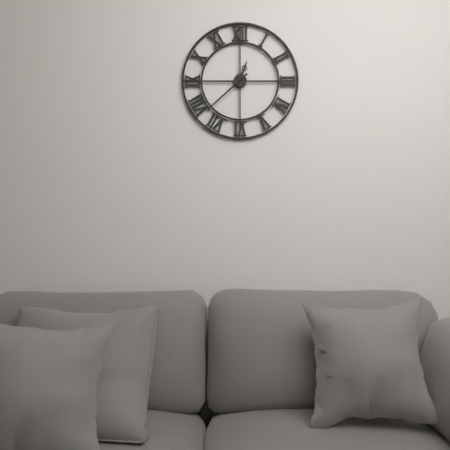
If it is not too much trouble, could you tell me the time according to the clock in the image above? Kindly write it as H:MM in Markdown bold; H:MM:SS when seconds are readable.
**12:38**
